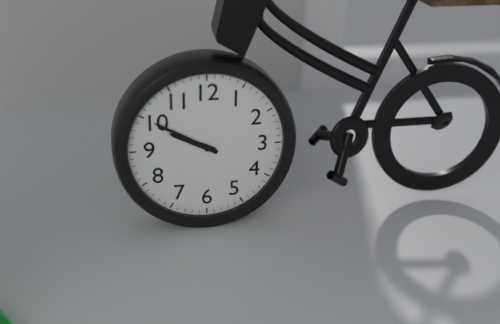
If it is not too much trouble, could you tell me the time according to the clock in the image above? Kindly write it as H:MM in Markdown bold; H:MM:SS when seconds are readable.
**9:50**
